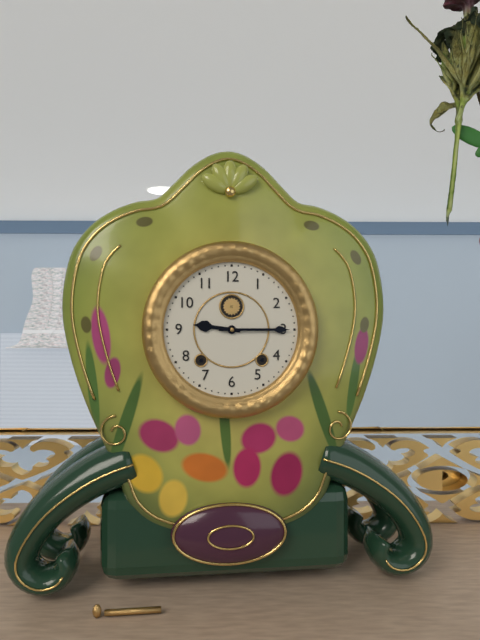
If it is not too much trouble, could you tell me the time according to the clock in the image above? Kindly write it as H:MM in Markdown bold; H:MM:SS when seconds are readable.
**9:15**
